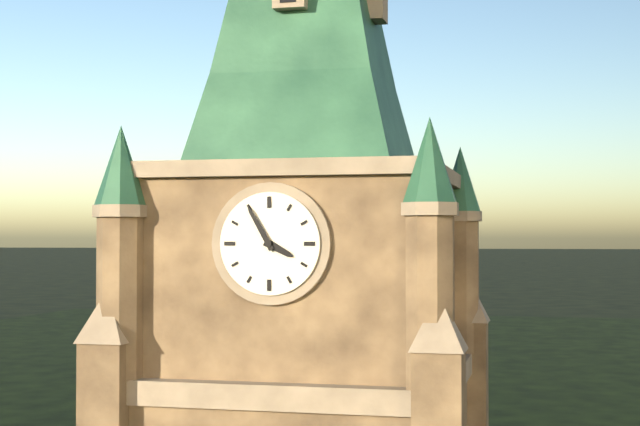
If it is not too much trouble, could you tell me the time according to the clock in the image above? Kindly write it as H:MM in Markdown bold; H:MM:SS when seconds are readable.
**3:55**
